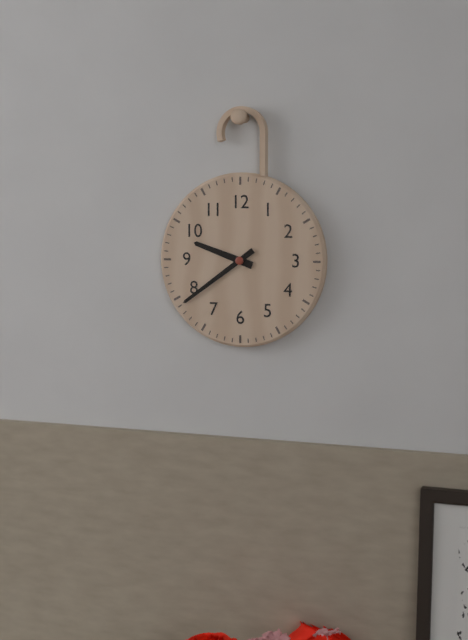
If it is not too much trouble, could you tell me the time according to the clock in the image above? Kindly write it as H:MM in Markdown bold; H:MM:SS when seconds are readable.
**9:39**
